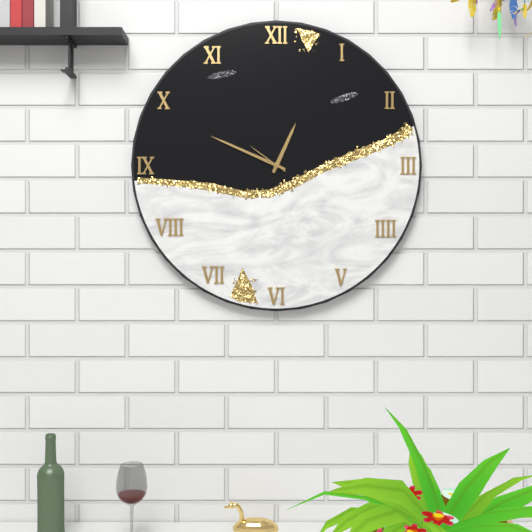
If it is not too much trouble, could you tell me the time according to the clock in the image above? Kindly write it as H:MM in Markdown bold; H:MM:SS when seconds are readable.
**12:49**
